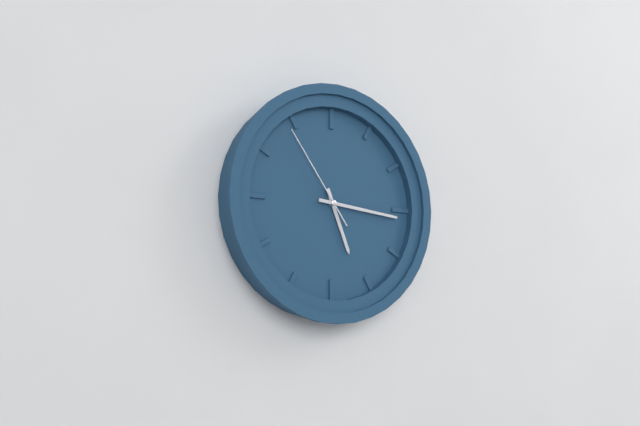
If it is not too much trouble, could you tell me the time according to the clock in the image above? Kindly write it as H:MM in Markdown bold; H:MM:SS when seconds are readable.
**5:16:54**
